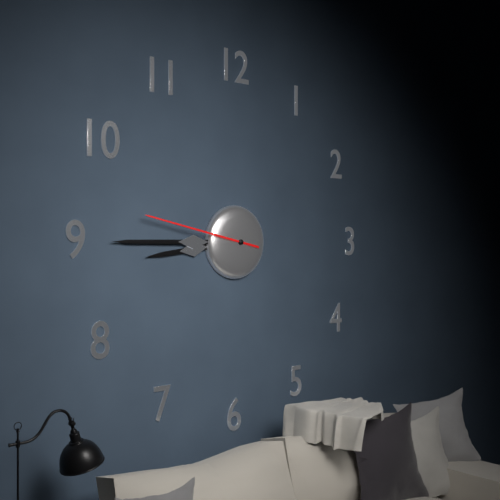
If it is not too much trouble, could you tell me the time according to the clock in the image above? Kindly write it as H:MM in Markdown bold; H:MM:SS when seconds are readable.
**8:45:47**
